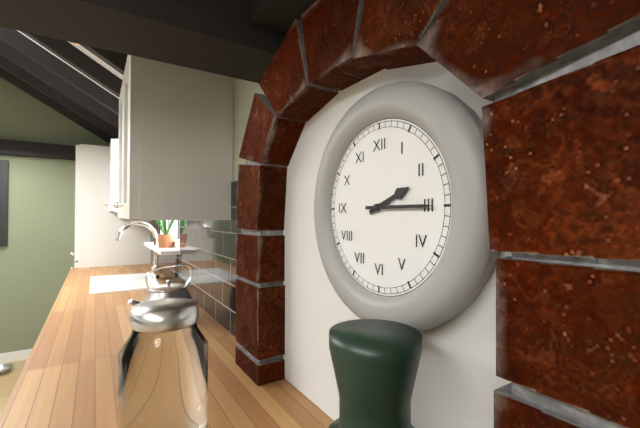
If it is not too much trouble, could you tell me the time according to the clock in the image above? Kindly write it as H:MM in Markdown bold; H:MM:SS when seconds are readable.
**2:15**
